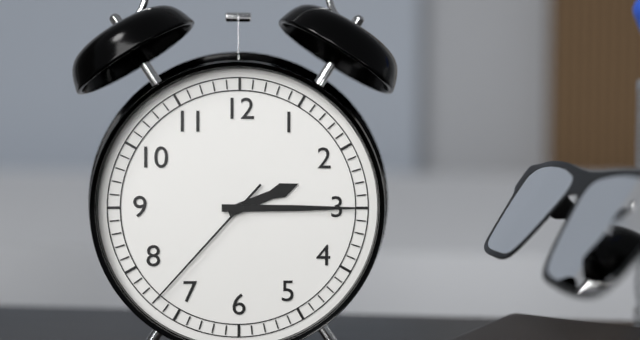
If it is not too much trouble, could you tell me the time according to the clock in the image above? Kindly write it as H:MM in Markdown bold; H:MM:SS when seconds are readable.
**2:15:37**
